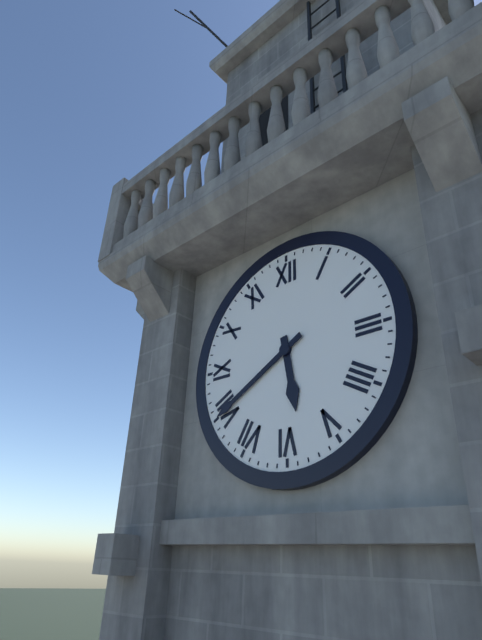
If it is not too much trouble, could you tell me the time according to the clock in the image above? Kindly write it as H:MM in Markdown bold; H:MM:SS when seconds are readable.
**5:40**
